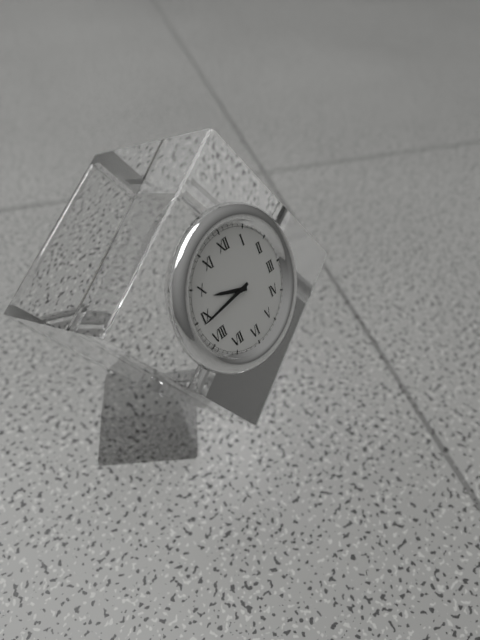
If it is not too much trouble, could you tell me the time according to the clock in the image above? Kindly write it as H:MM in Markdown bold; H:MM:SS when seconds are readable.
**9:44**
